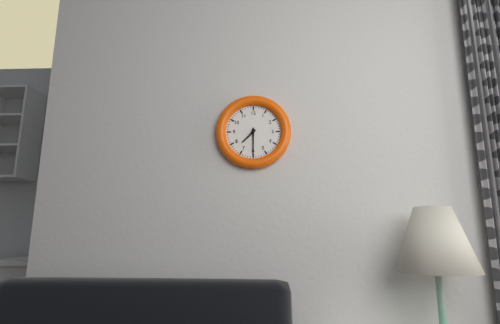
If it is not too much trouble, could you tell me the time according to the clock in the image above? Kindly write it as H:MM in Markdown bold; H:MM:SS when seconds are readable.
**7:30**
